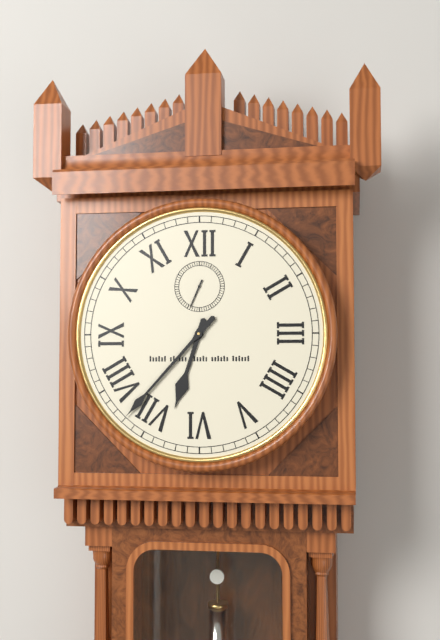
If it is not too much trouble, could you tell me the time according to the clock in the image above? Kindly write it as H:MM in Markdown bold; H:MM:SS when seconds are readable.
**6:37**
